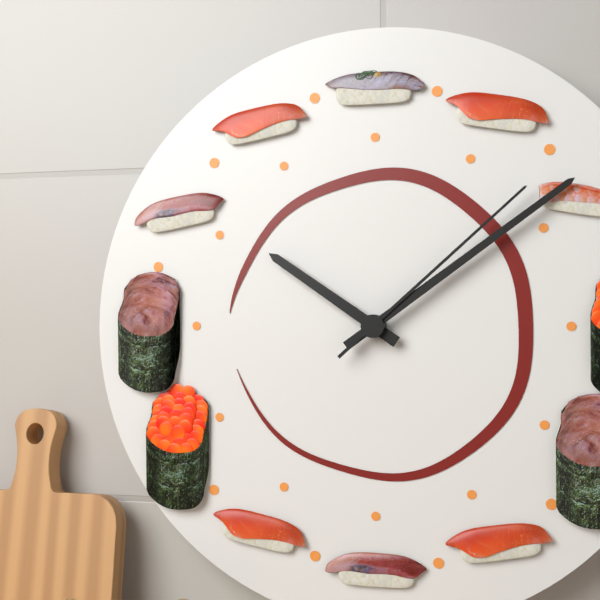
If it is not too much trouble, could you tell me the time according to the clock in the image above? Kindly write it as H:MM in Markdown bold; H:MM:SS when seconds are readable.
**10:09:08**
